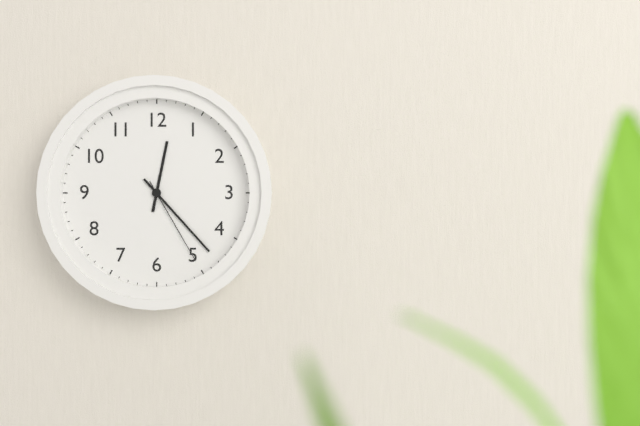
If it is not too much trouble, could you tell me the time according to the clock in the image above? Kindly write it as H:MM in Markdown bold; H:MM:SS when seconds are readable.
**12:23:25**
